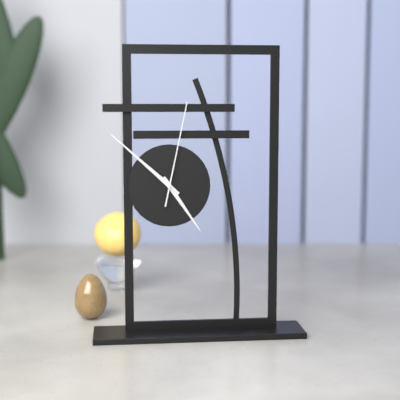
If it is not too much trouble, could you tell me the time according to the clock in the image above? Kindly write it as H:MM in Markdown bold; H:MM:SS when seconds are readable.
**4:52:02**
